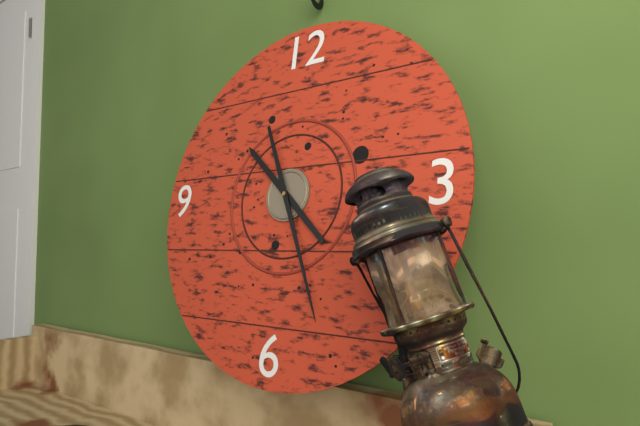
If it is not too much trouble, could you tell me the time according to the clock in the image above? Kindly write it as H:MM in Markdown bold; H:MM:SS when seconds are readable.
**10:26**
